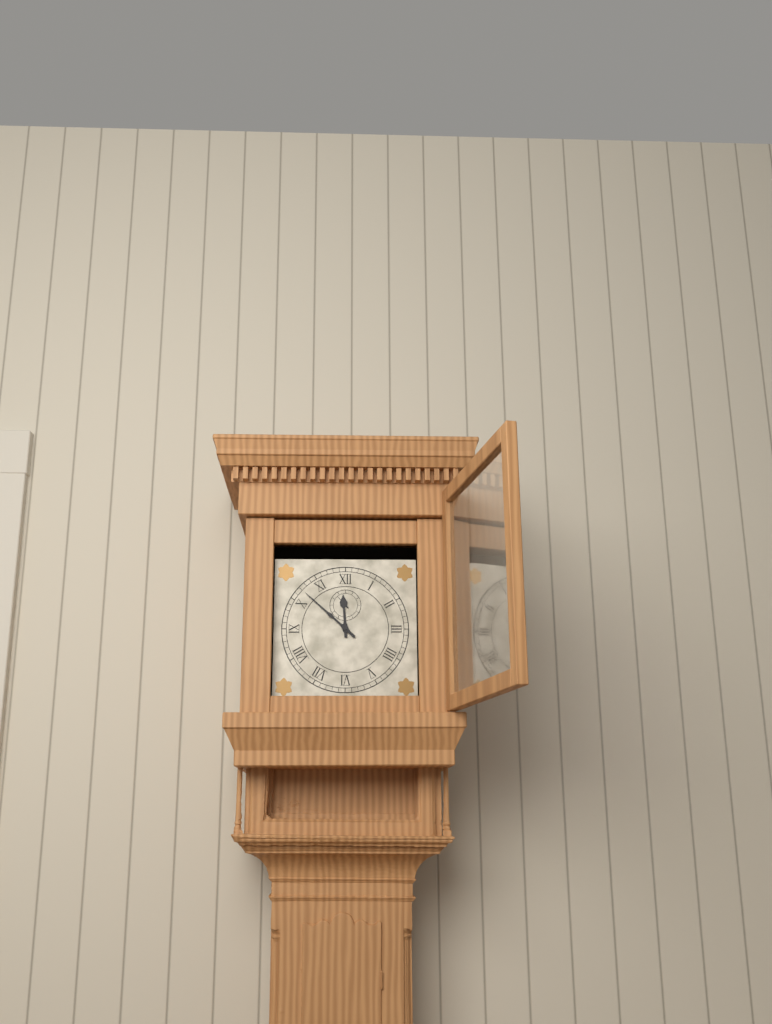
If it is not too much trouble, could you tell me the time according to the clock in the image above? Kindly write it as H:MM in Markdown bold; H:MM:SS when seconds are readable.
**11:52**
